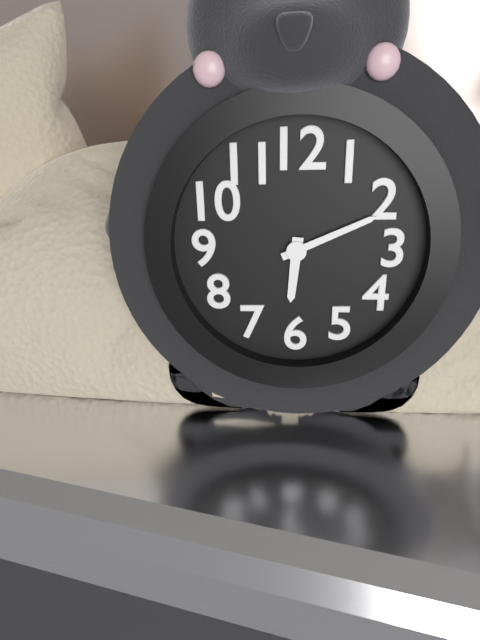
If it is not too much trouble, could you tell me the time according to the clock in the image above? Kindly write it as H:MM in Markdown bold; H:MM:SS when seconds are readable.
**6:11**
